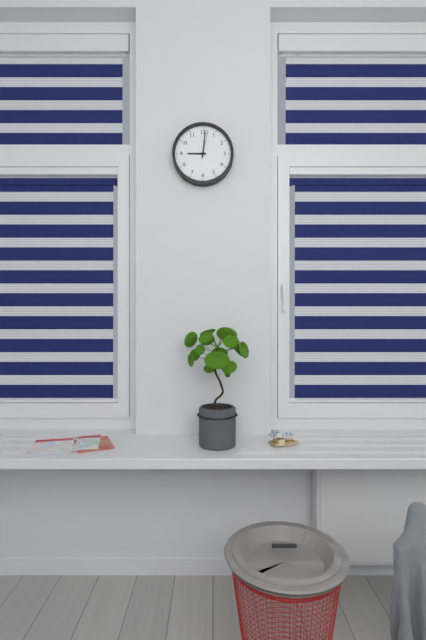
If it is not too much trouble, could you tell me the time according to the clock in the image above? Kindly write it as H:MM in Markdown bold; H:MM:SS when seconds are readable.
**9:01**
